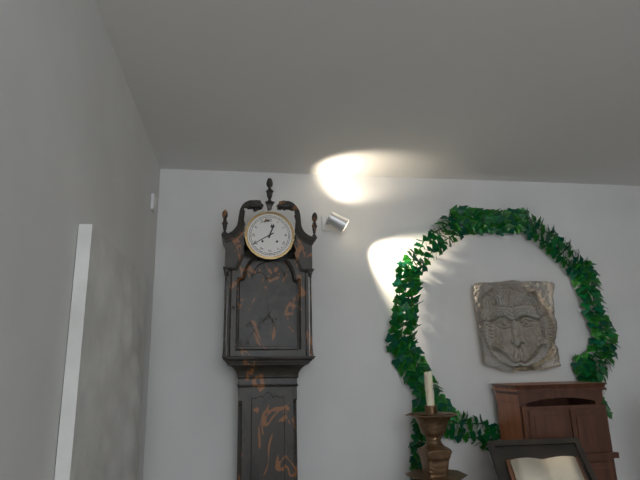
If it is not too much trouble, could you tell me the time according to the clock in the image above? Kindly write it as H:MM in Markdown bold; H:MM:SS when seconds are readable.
**12:40**
